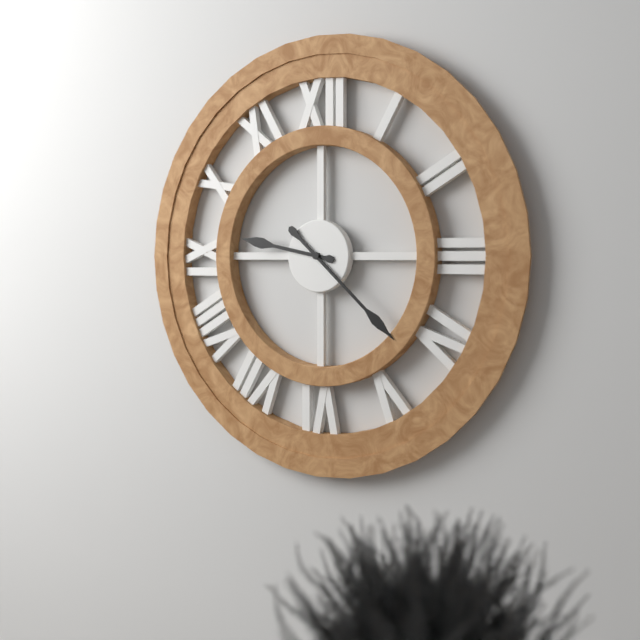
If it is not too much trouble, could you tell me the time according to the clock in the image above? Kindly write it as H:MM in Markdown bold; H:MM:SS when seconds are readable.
**9:22**
